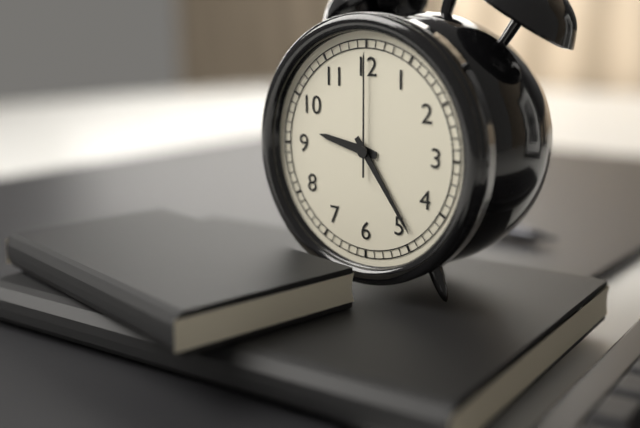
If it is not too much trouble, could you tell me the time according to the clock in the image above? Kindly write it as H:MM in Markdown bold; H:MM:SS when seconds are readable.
**9:24:00**
